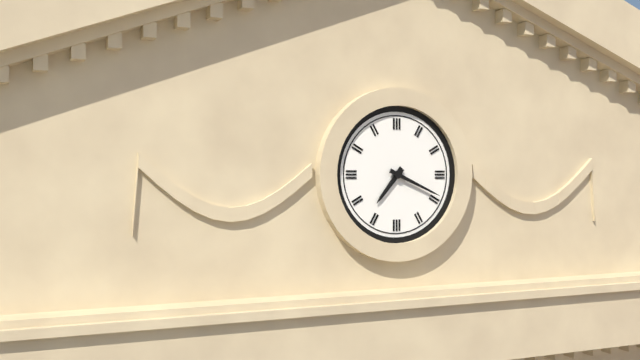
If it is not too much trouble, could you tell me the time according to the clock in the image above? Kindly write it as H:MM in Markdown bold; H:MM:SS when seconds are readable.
**7:19**
